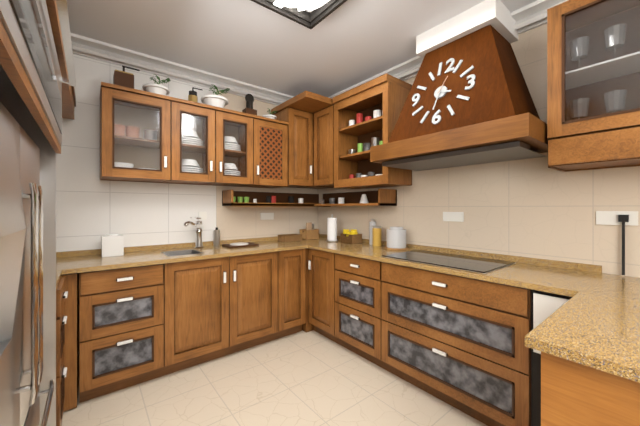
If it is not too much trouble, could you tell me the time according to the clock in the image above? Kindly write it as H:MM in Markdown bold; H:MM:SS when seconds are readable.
**3:32**
